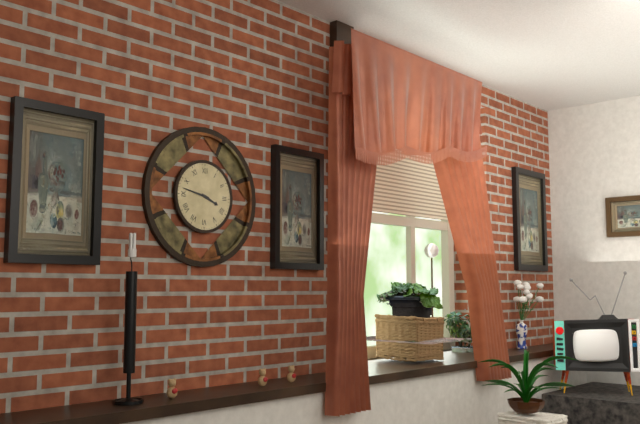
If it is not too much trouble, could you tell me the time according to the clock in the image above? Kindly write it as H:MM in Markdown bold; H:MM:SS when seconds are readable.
**3:47**
